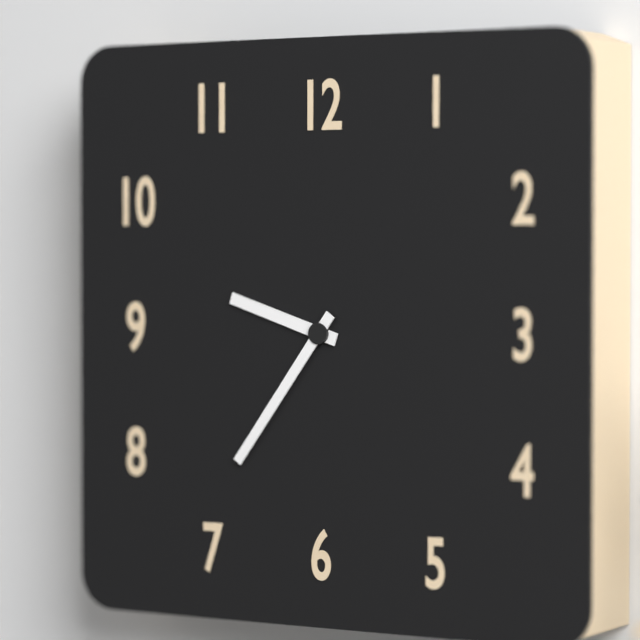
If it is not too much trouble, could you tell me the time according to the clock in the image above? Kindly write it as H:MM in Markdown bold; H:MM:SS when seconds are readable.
**9:36**
